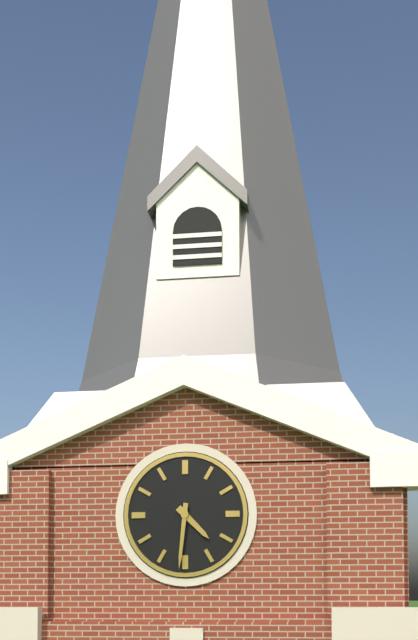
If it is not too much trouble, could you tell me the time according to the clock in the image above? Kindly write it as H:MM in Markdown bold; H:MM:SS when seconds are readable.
**4:31**
